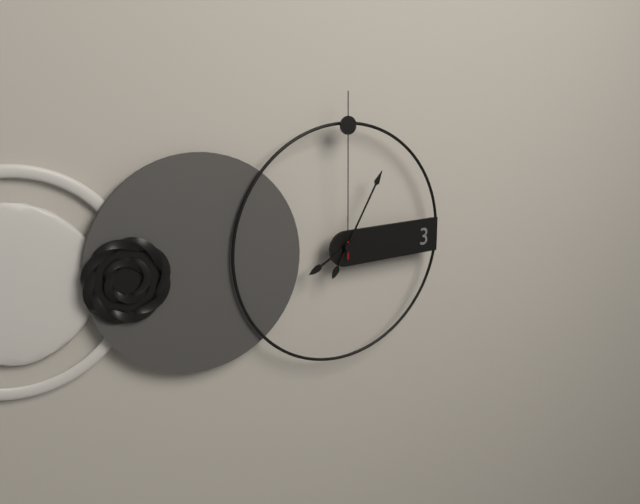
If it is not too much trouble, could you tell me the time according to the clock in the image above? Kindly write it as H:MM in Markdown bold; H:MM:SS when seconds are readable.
**8:05:00**
